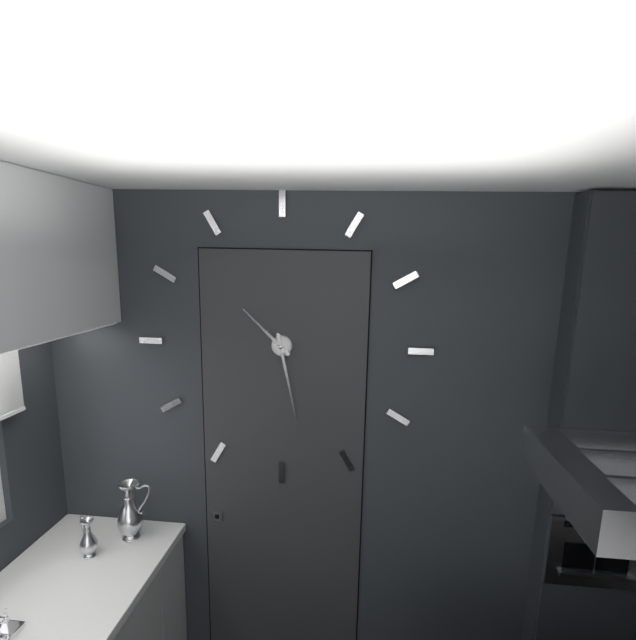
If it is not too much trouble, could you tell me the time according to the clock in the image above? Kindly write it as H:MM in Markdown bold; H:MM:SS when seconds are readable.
**10:28**
